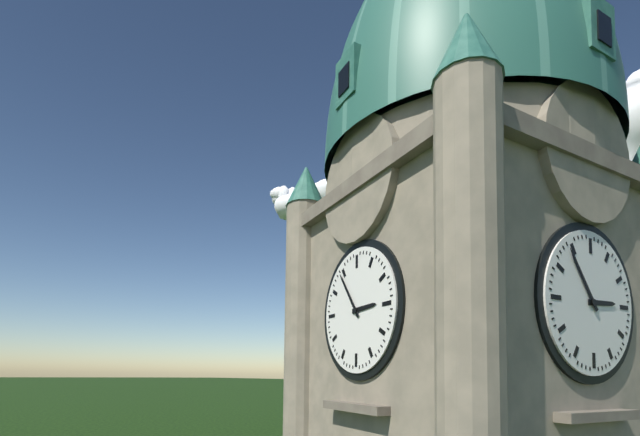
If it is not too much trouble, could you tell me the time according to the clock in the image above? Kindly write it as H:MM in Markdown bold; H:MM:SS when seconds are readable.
**2:54**
